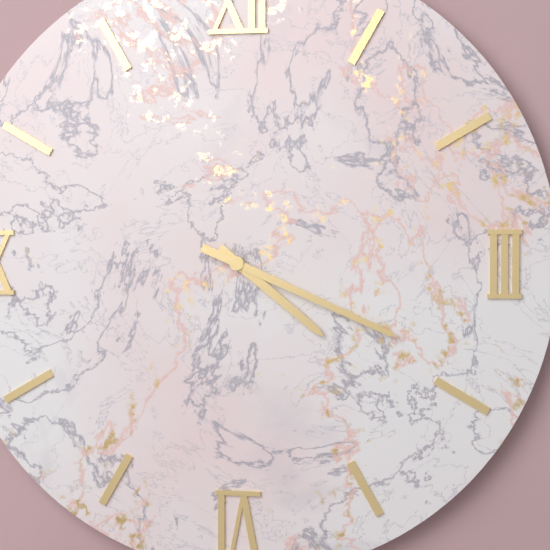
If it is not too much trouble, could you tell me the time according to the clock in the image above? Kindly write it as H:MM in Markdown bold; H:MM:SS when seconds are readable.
**4:19**
